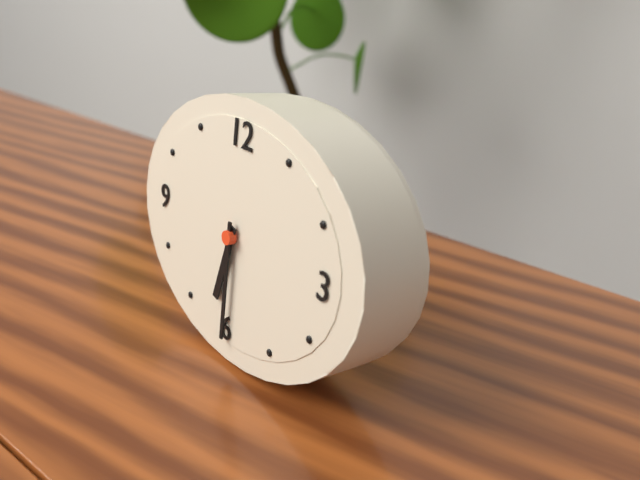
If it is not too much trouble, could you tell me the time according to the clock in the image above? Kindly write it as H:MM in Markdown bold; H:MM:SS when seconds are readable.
**6:30**
